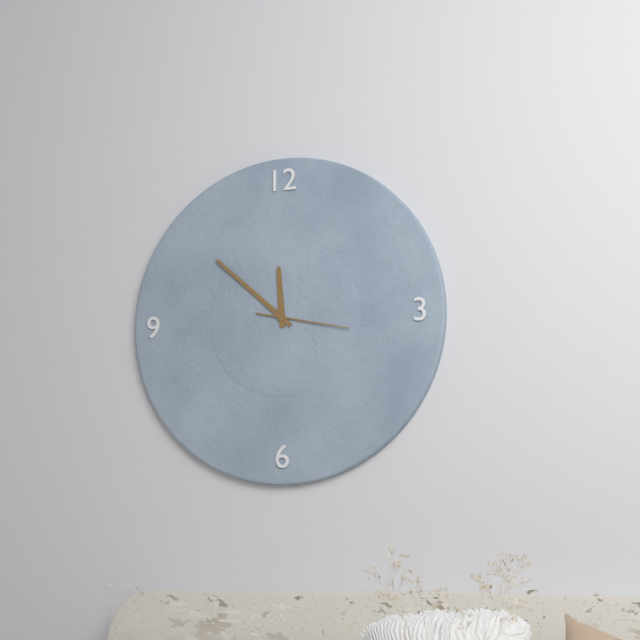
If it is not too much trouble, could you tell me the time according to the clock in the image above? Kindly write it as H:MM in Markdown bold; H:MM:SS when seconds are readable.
**11:52:17**
